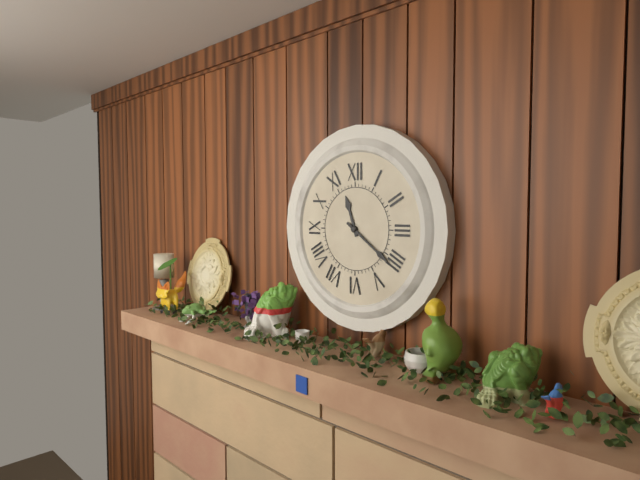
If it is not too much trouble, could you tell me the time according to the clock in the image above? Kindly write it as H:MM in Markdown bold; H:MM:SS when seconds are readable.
**11:21**
